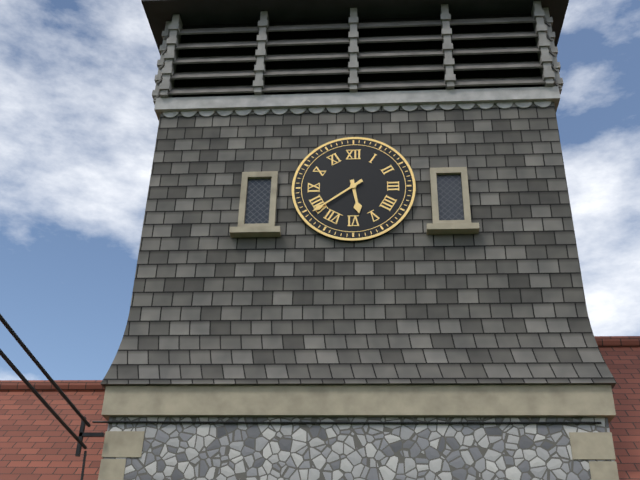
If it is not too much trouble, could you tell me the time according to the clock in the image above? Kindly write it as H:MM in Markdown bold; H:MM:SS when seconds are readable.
**5:39**
